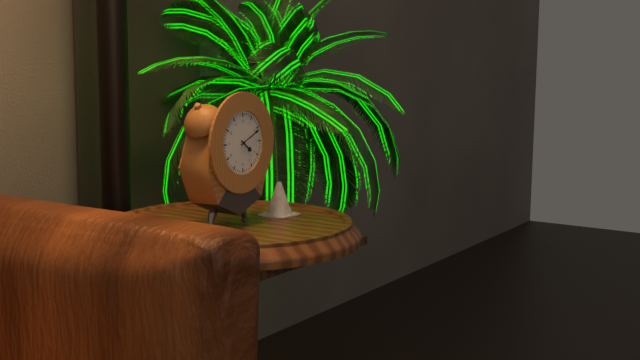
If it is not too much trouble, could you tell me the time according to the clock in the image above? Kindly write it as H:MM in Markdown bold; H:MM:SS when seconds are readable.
**4:11**
